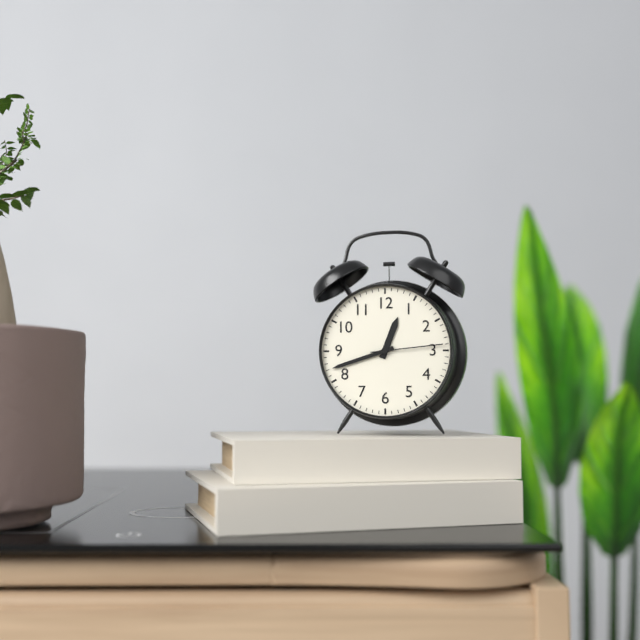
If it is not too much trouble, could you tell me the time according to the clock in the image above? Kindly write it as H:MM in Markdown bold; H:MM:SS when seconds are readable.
**12:42:14**
